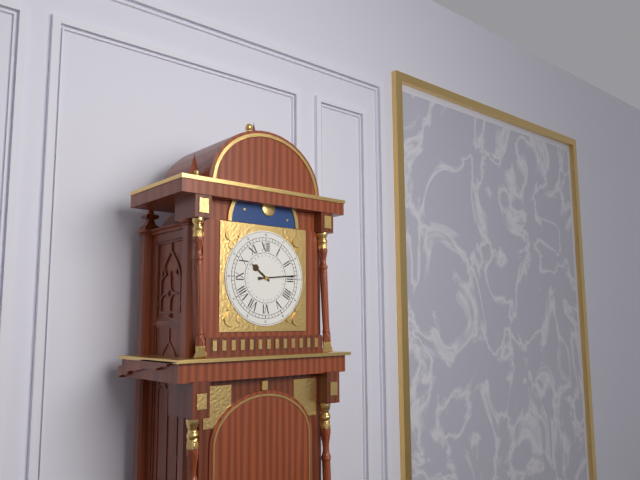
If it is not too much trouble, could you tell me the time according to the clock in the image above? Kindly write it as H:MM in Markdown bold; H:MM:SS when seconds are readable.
**10:14**
